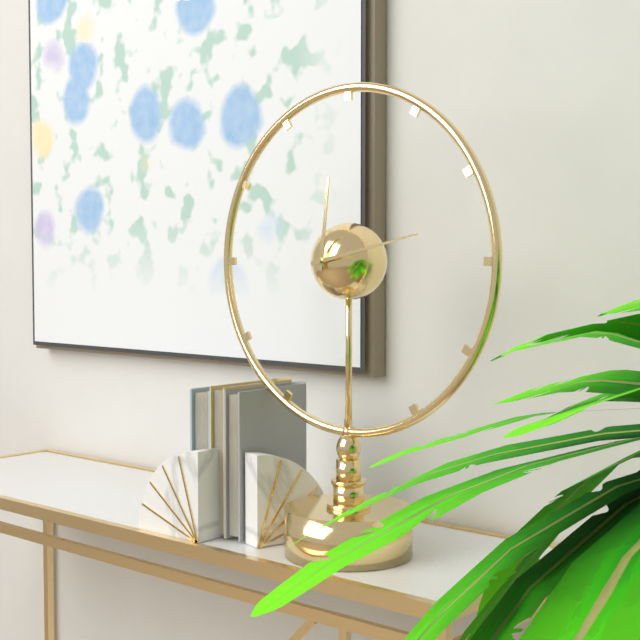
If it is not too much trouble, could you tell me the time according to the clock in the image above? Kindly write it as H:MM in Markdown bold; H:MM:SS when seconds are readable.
**12:13**
